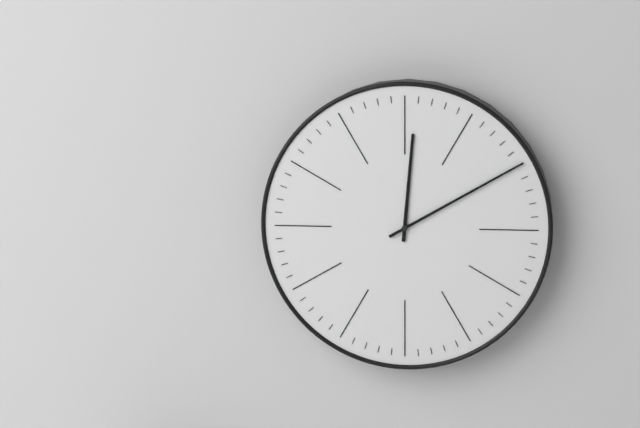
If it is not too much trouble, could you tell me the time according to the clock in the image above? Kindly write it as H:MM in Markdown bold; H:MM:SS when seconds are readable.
**12:10**
